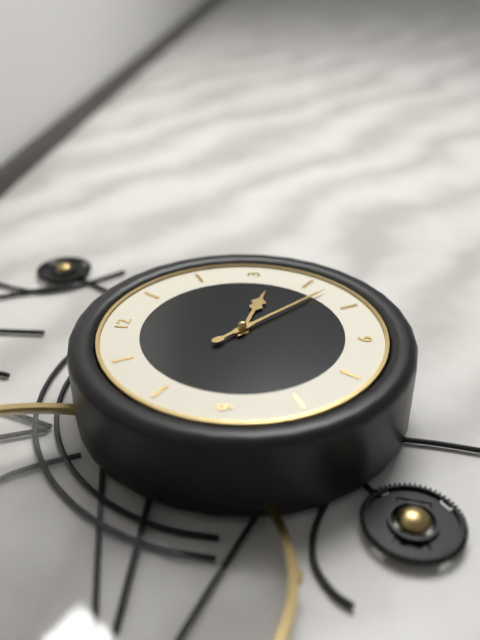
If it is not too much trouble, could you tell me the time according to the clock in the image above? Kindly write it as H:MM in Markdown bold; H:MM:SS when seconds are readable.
**3:22**
